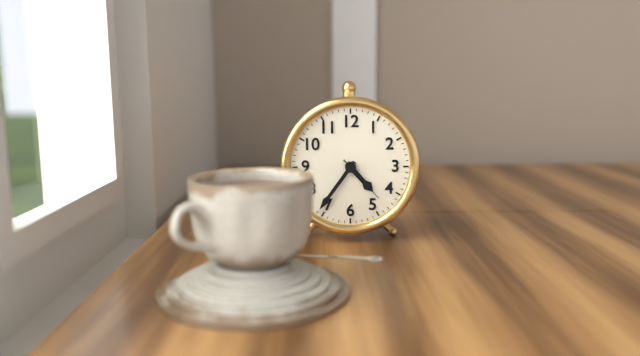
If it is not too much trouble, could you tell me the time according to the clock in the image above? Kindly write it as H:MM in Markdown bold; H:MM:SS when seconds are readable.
**4:36:23**
